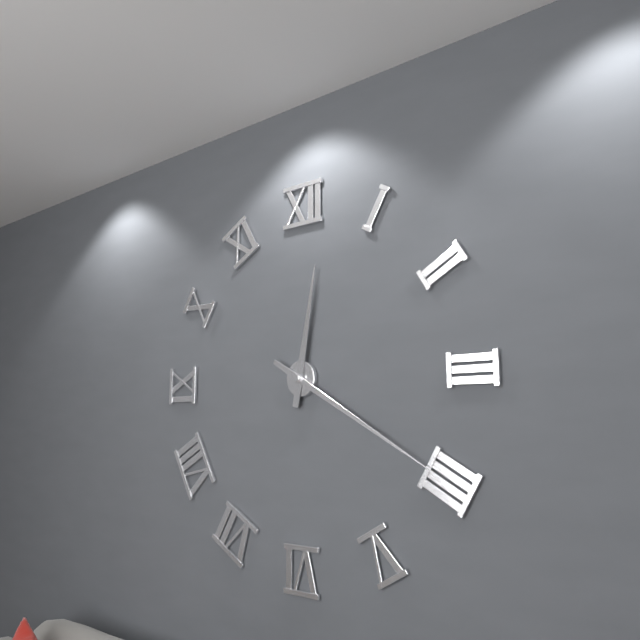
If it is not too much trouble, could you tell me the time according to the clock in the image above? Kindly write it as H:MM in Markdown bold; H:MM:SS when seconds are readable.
**12:20**
